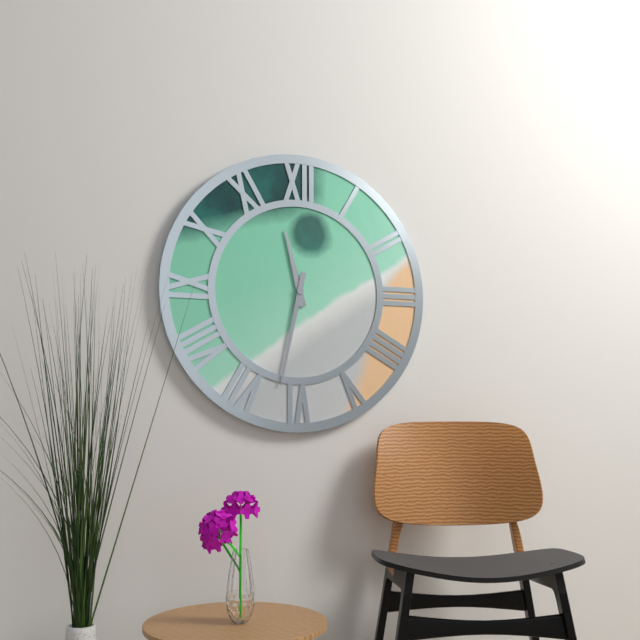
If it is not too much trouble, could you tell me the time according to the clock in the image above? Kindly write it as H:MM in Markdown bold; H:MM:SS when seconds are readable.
**11:32**
